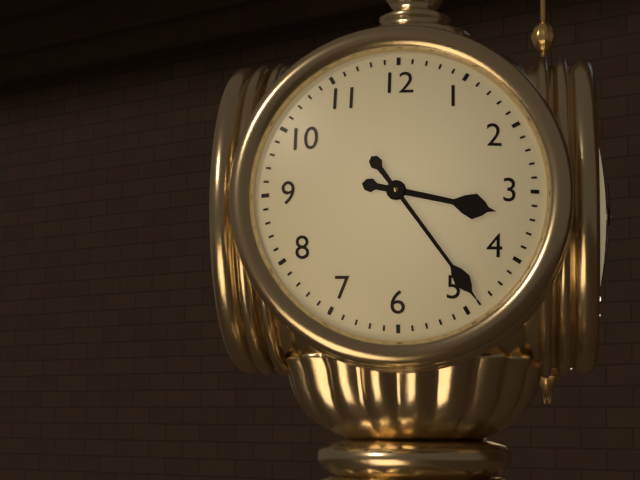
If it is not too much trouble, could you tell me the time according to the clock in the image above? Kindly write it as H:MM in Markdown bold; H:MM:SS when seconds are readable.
**3:24**
